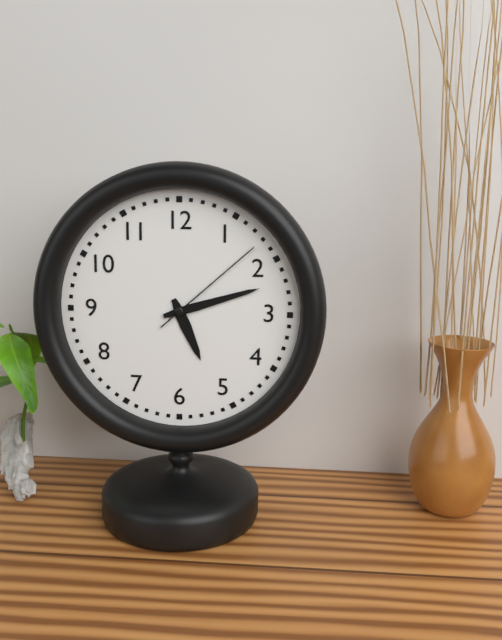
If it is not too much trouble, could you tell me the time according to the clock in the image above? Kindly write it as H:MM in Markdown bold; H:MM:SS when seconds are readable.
**5:12:08**
